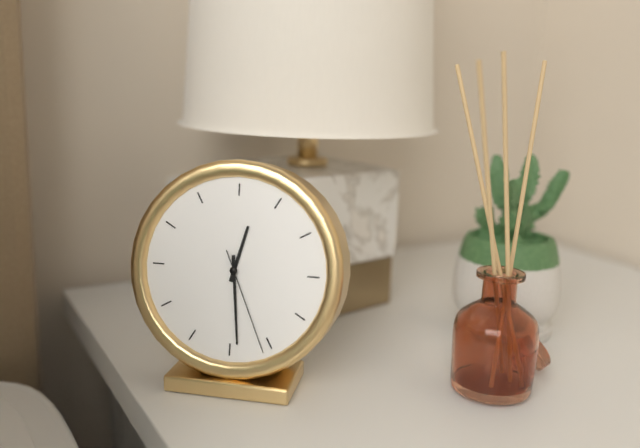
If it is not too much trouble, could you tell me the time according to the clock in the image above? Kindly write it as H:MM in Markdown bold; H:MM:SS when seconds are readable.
**12:29:26**
